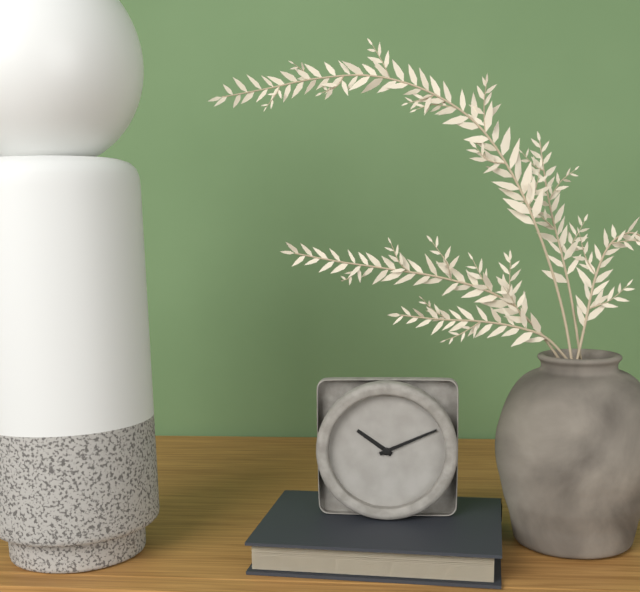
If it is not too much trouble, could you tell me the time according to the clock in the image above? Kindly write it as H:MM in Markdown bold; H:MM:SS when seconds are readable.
**10:11**
